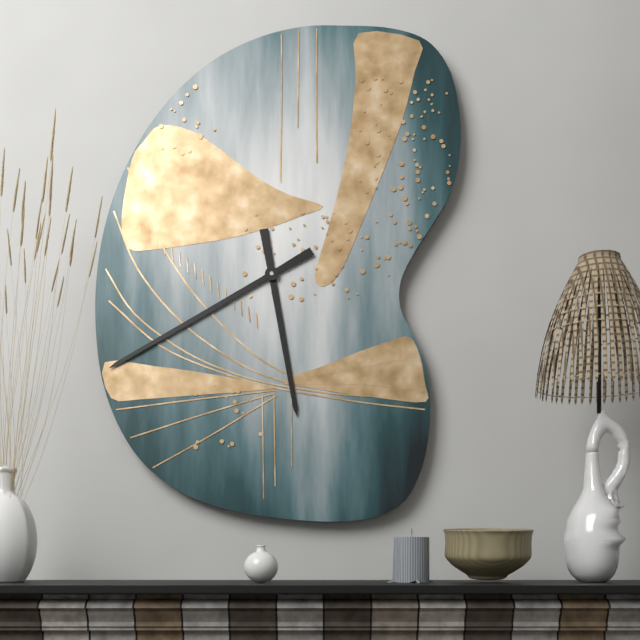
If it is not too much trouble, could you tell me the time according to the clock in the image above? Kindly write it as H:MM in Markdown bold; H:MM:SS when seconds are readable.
**5:40**
